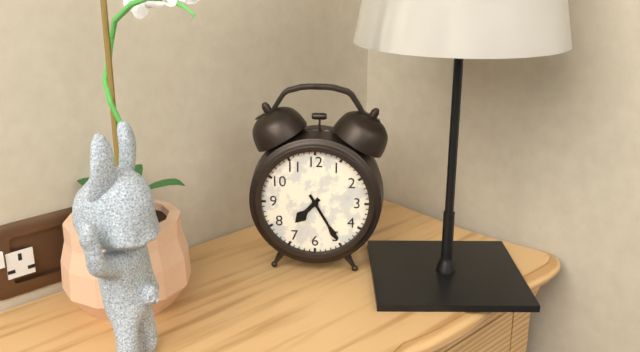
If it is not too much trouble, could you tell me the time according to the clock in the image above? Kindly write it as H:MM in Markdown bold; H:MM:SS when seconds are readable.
**7:25**
